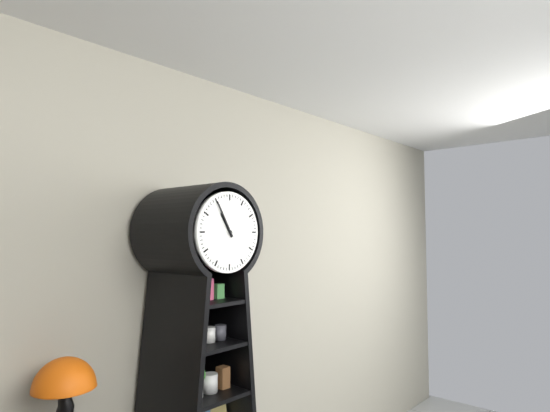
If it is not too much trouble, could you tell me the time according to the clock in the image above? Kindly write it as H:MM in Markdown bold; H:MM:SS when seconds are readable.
**10:55**
